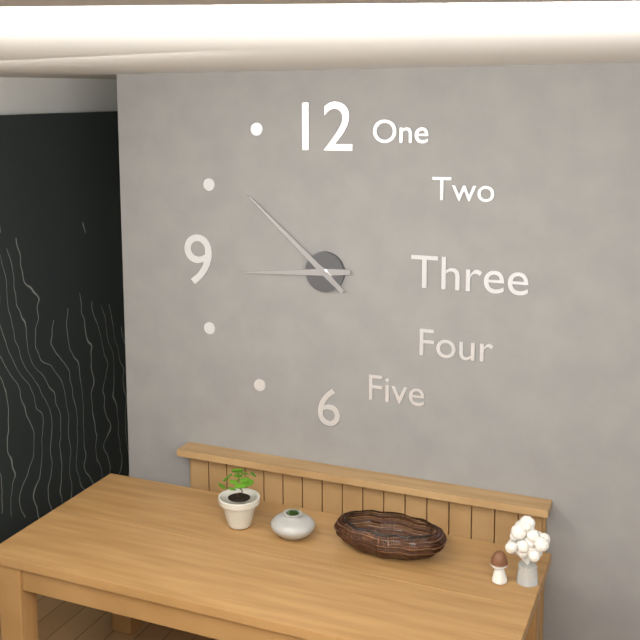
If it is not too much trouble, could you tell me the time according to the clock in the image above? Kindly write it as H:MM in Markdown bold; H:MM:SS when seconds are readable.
**8:52**
